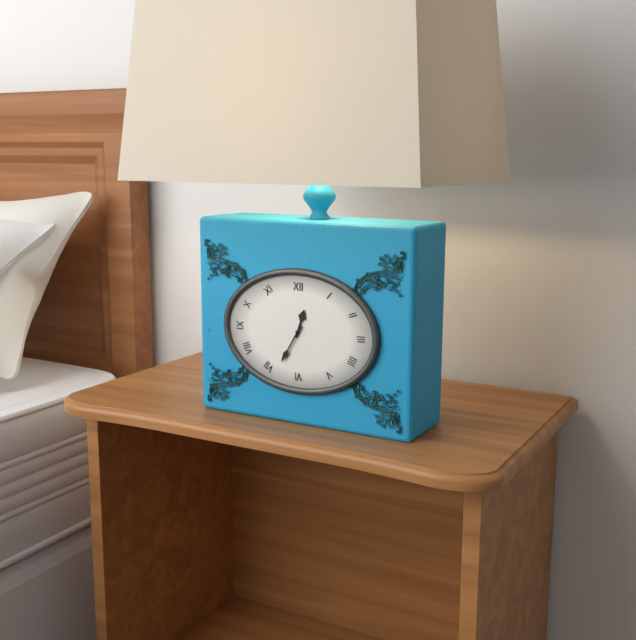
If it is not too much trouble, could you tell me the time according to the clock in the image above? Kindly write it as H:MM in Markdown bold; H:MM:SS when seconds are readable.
**12:35**
